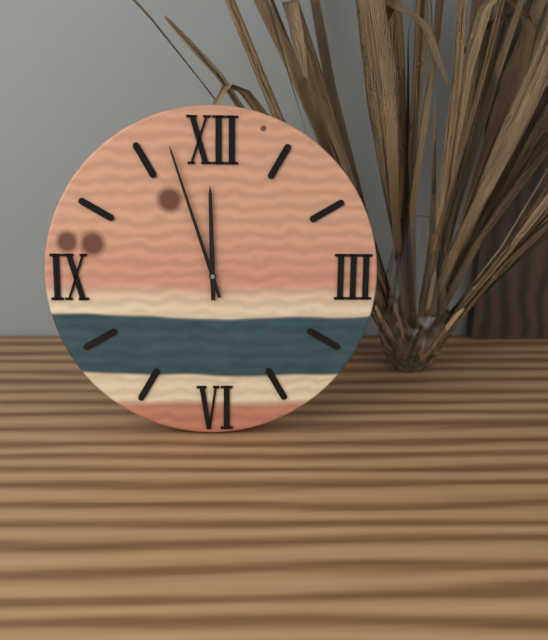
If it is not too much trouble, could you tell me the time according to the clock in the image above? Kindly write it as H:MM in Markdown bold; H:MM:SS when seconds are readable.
**11:57**
